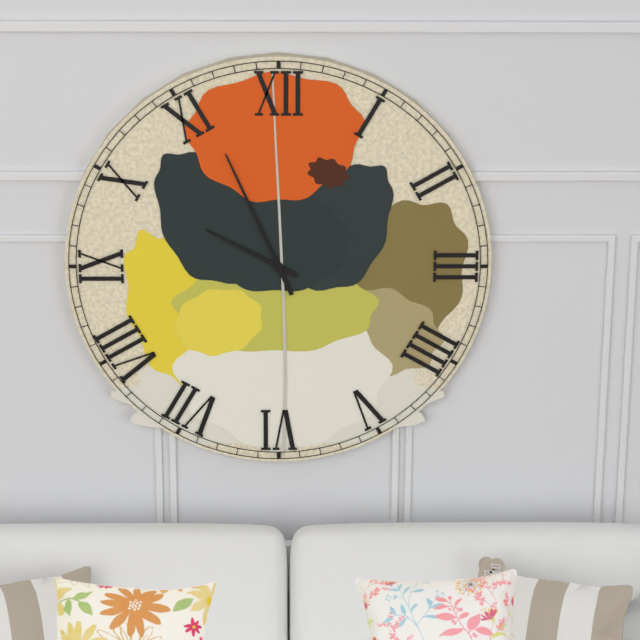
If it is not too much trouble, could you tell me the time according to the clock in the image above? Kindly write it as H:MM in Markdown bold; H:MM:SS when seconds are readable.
**9:56**
